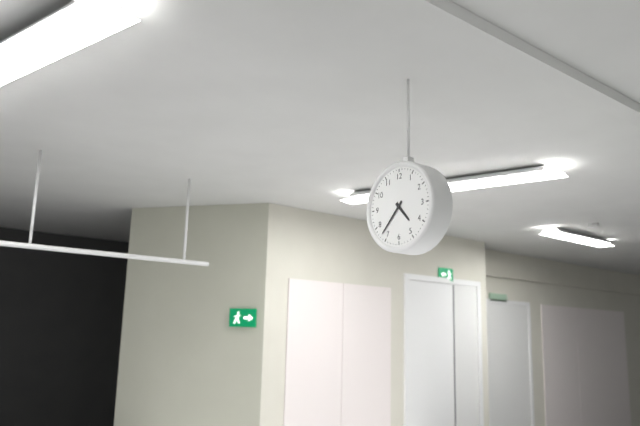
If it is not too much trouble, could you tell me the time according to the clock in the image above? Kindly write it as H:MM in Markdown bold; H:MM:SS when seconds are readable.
**4:37**
